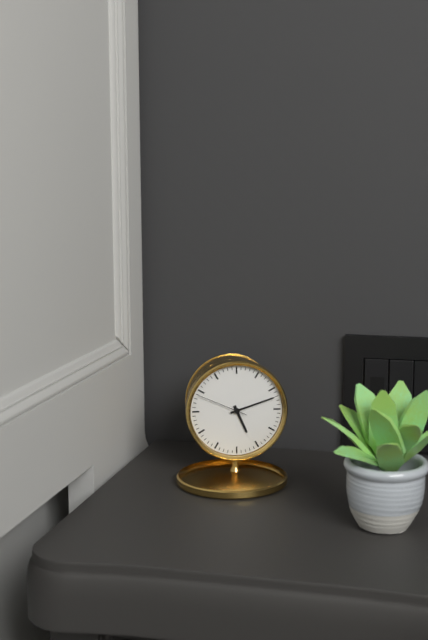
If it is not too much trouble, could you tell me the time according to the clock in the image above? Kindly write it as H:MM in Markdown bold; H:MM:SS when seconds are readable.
**5:12:49**
